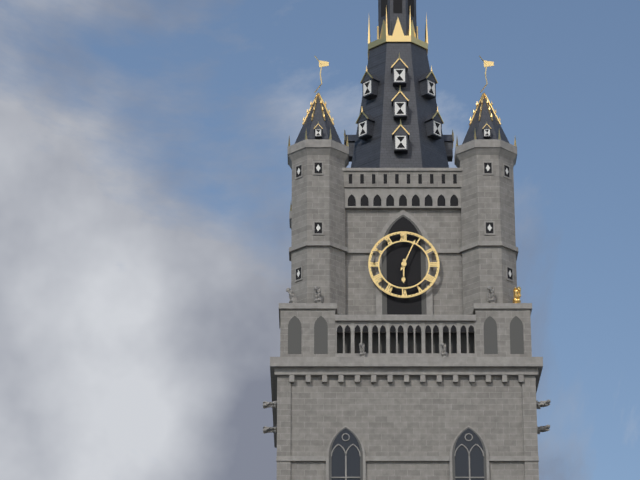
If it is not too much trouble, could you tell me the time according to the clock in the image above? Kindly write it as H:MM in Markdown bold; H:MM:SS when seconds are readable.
**6:04**
